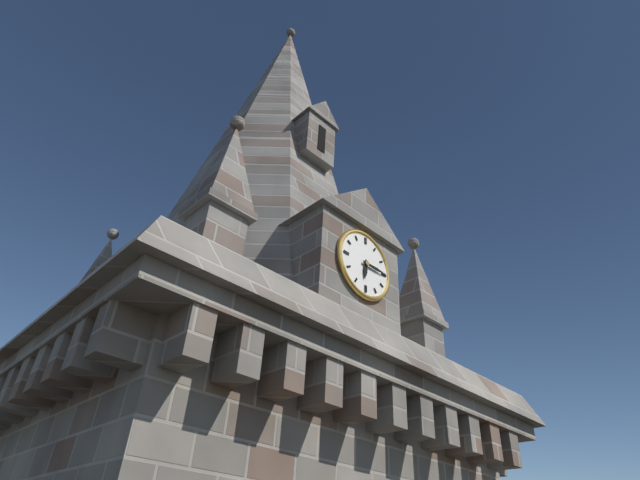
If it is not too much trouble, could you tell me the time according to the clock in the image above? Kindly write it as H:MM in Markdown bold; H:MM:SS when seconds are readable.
**6:15**
